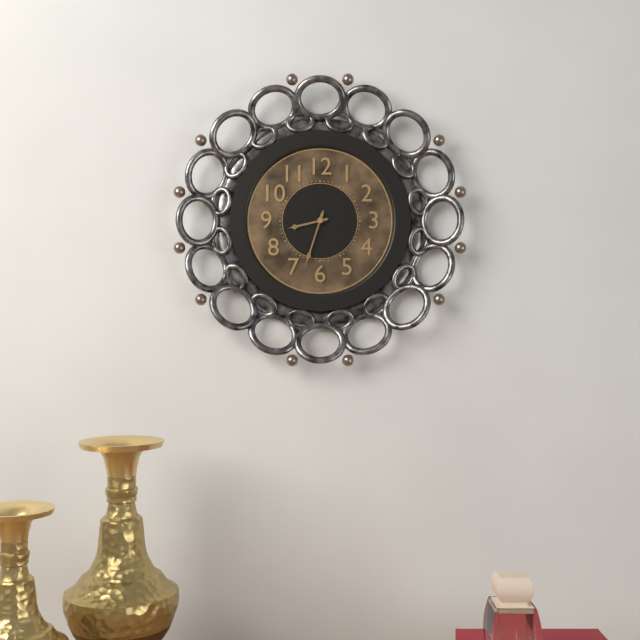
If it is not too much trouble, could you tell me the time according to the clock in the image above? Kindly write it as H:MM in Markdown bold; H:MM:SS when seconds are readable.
**8:33**
